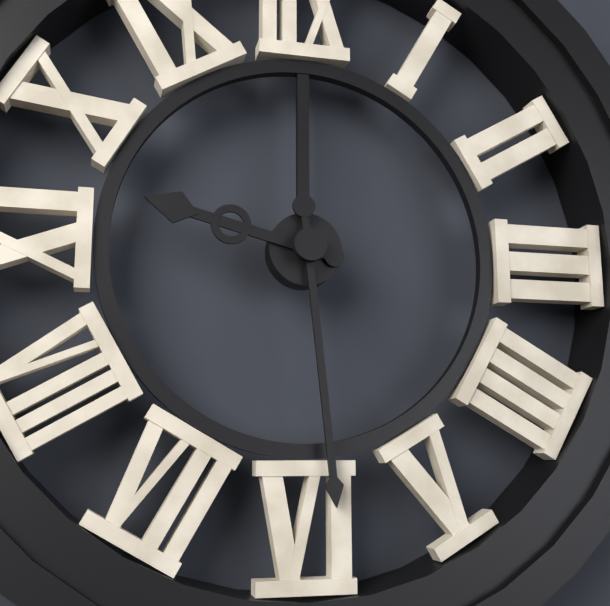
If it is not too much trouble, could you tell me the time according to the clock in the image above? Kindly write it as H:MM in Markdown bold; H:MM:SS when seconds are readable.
**9:29**
